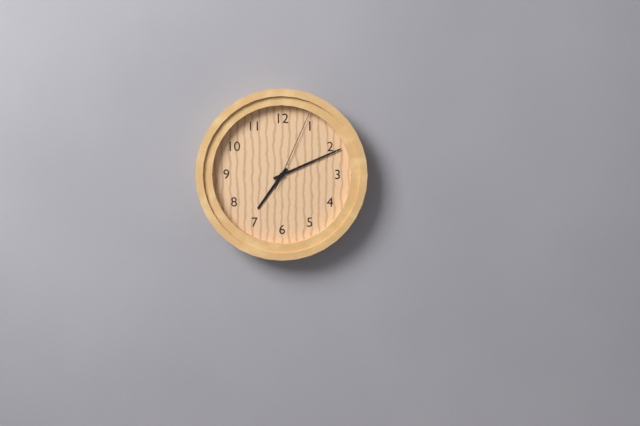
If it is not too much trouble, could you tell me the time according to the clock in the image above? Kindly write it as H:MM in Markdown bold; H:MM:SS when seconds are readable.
**7:11:04**
